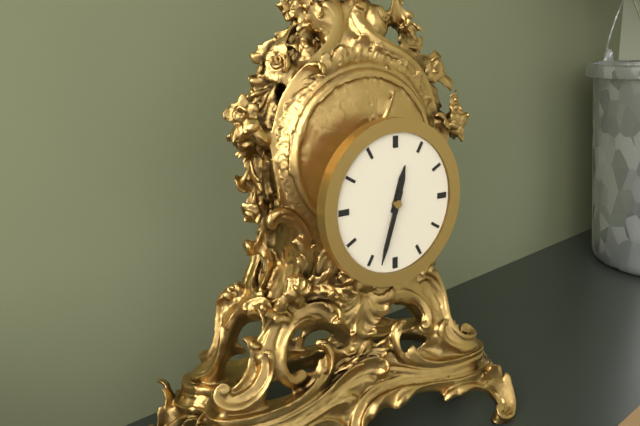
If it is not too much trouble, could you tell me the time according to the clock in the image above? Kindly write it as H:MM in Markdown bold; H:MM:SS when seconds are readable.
**12:33**
